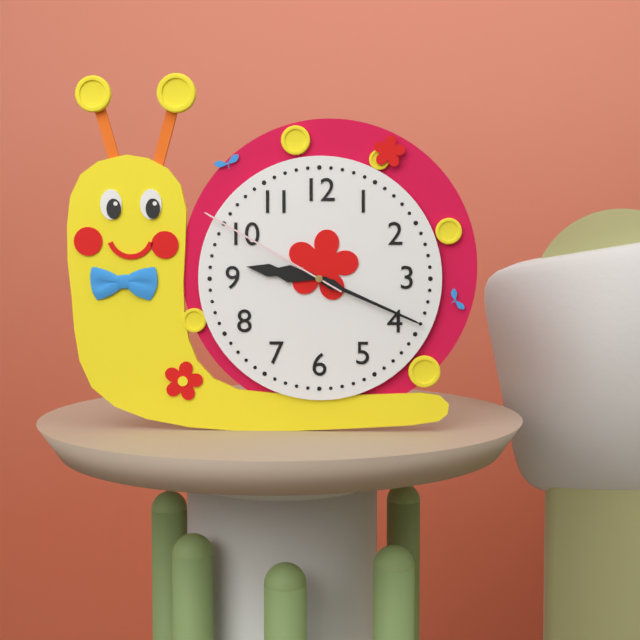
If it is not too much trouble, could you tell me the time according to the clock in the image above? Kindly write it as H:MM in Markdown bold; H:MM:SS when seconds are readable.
**9:19:50**
